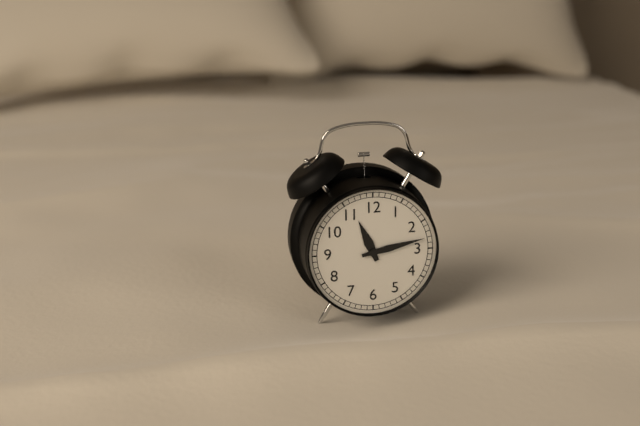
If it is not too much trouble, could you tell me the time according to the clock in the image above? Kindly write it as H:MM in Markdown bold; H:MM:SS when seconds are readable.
**11:13**
